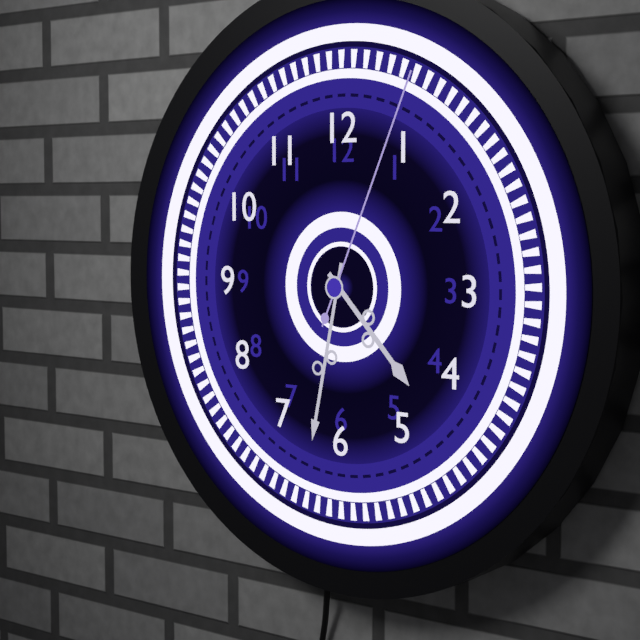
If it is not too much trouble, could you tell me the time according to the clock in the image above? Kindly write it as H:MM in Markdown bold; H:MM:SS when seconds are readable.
**4:32:04**
